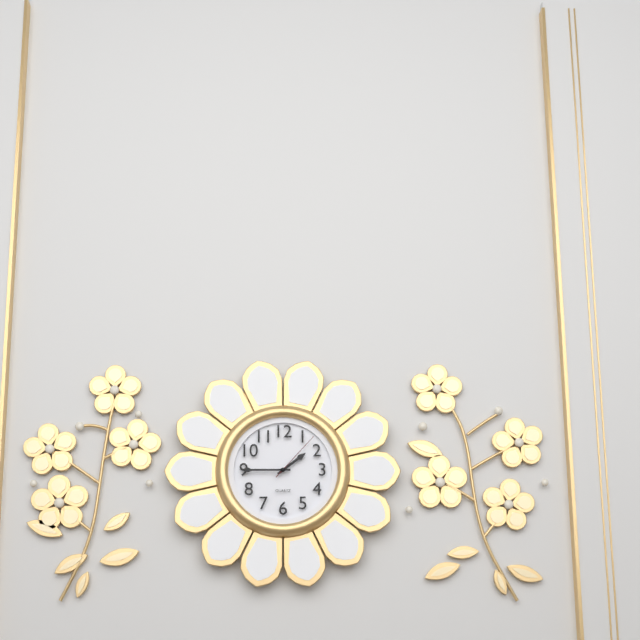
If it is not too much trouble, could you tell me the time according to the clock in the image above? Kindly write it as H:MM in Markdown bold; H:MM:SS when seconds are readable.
**1:45:07**
